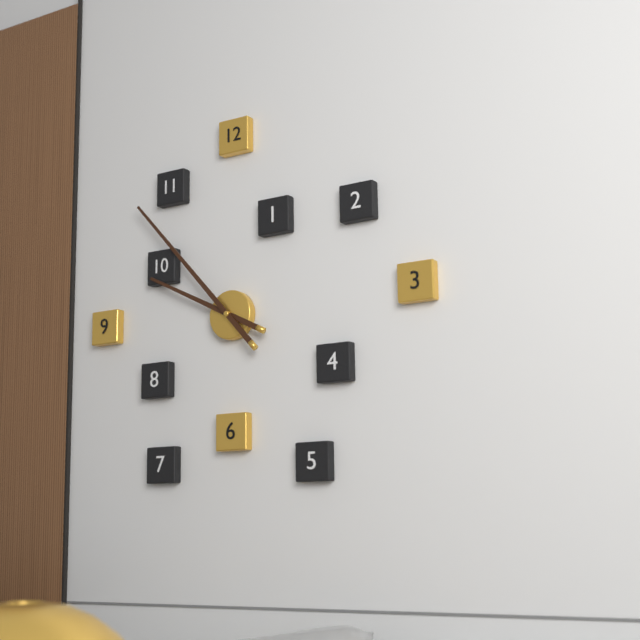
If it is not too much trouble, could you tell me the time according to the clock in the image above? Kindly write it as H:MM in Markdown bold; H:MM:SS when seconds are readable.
**9:53**
